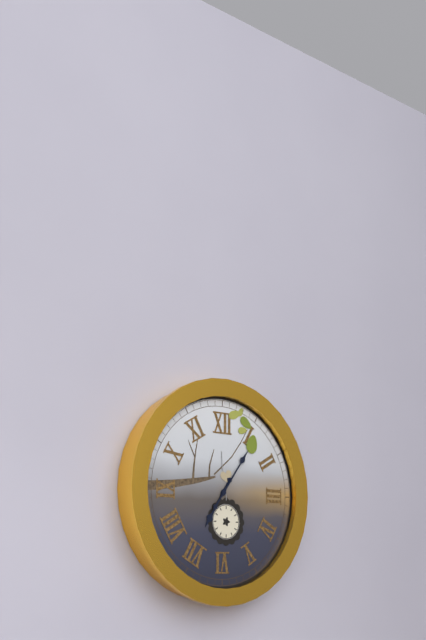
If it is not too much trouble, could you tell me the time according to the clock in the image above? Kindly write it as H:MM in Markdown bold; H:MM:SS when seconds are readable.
**7:06**
